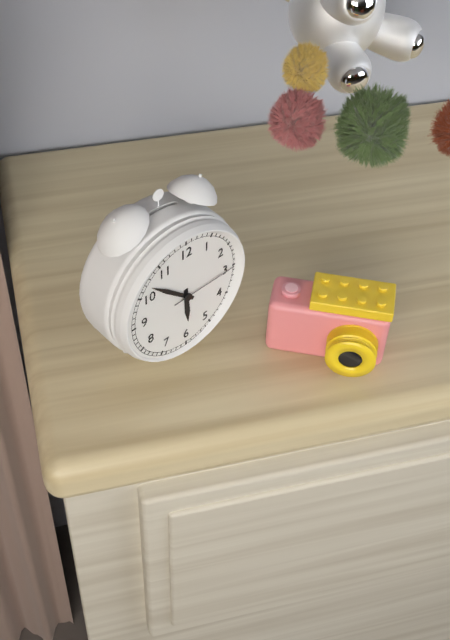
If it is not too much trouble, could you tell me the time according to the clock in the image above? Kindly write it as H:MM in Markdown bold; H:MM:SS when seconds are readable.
**5:52:15**
